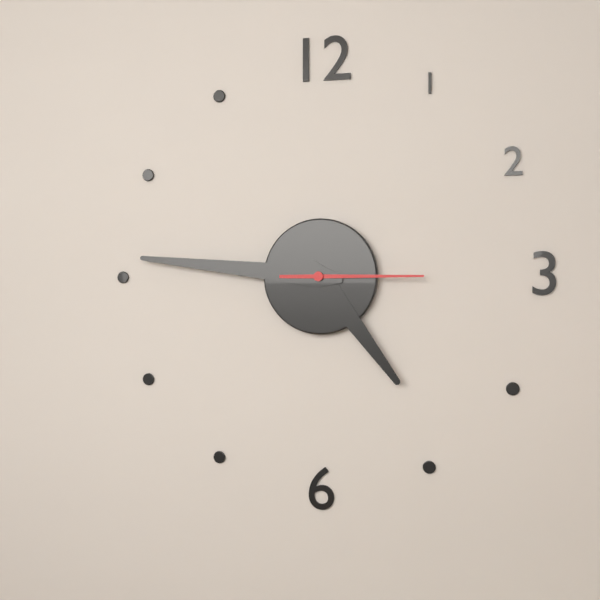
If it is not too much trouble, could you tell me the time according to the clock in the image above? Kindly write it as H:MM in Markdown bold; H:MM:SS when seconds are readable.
**4:46:15**
